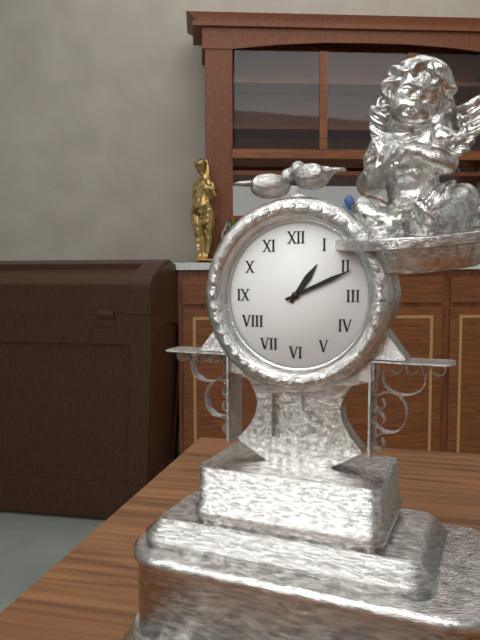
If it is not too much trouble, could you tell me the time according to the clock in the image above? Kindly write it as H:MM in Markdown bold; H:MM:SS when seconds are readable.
**1:11**
